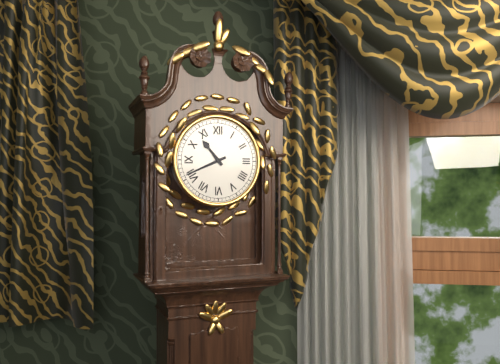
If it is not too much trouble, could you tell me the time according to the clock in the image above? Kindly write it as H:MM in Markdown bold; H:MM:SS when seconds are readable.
**10:41**
